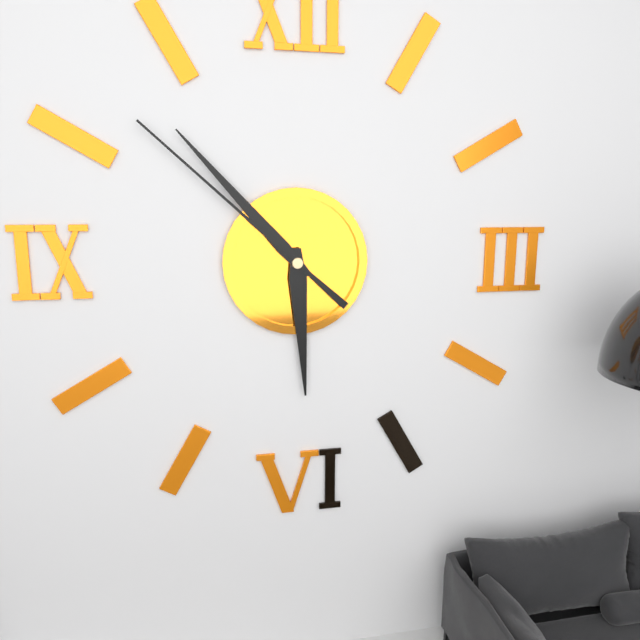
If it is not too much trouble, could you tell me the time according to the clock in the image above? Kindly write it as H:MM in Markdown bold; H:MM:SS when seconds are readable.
**5:53:52**
